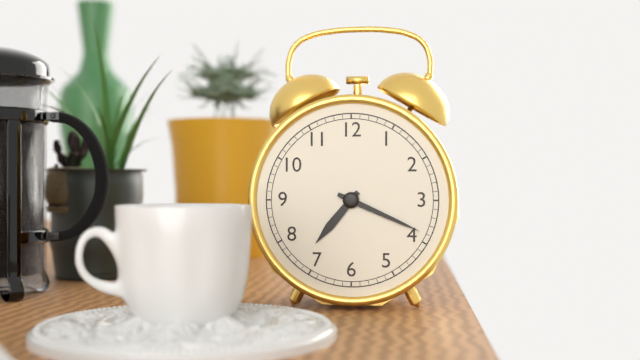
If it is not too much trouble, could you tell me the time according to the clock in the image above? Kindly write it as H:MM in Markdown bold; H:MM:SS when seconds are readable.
**7:19**
